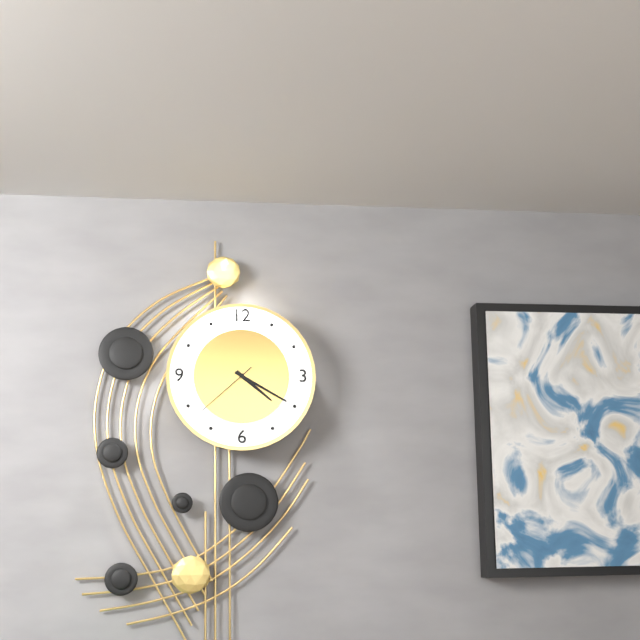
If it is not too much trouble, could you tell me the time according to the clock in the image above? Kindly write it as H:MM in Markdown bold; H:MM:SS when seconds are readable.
**4:20:38**
